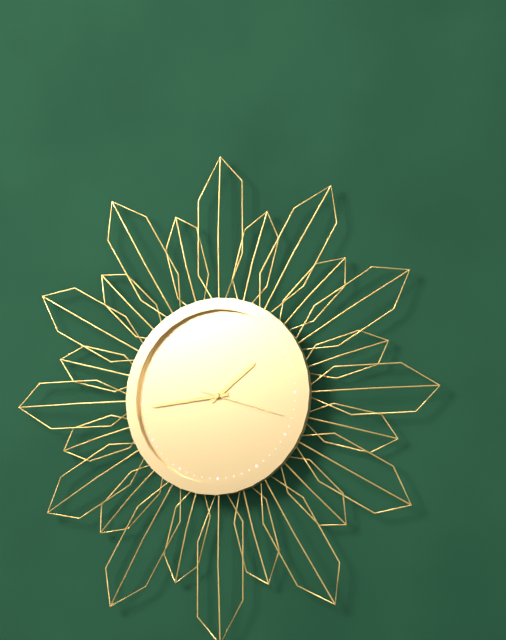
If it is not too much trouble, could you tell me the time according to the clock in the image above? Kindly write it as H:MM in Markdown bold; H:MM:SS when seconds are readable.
**1:44:18**
